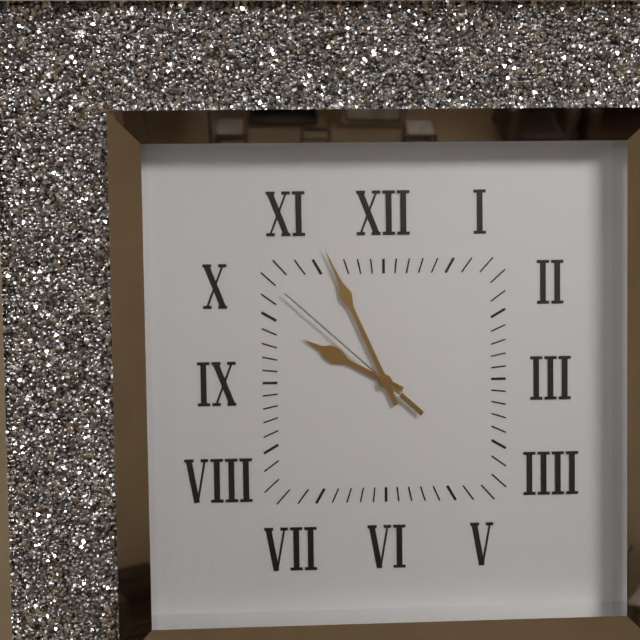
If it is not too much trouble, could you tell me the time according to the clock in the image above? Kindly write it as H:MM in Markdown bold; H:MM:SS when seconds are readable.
**9:56:52**
